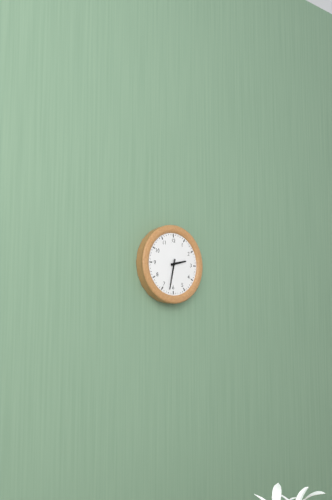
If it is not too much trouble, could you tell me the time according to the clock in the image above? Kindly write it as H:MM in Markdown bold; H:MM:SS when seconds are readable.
**2:32**
